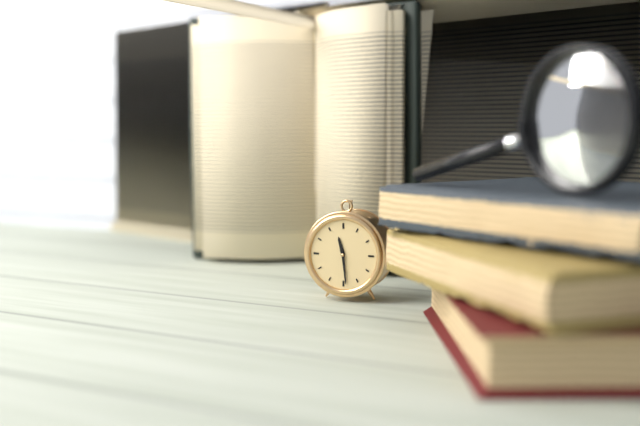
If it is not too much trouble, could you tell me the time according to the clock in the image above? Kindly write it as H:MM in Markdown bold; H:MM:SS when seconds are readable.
**11:29**
